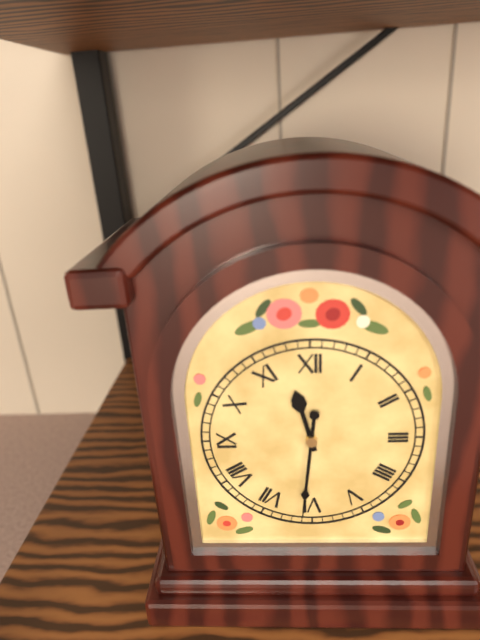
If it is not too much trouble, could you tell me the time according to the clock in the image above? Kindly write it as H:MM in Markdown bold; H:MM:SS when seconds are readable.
**11:31**
